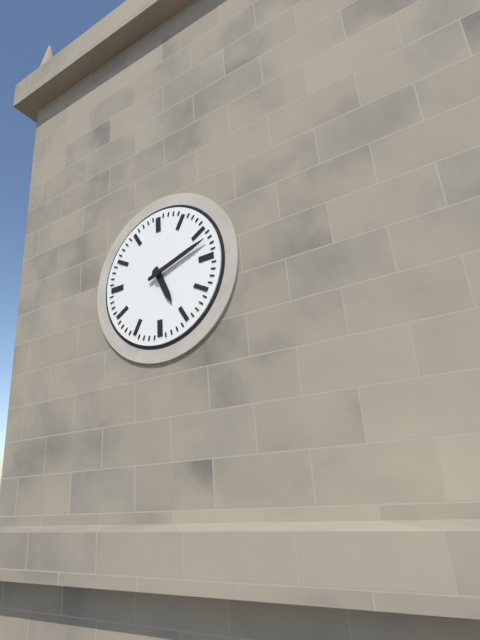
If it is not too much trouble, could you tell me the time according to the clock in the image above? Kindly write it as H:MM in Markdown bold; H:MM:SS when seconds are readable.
**5:12**
